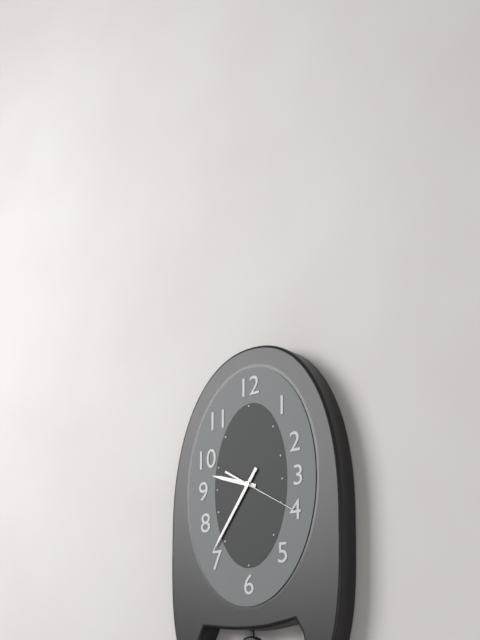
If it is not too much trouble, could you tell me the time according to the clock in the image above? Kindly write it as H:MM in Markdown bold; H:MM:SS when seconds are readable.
**9:36:20**
